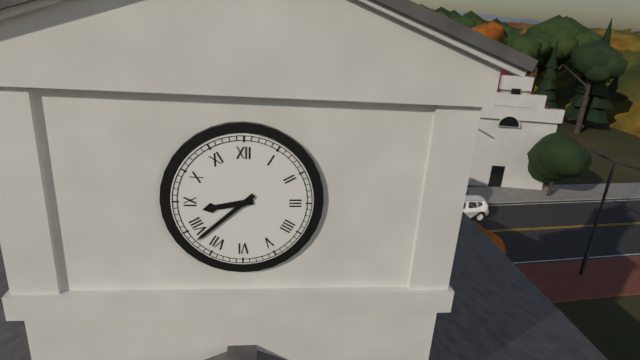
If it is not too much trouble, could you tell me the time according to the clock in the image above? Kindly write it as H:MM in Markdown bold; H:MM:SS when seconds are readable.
**8:38**
